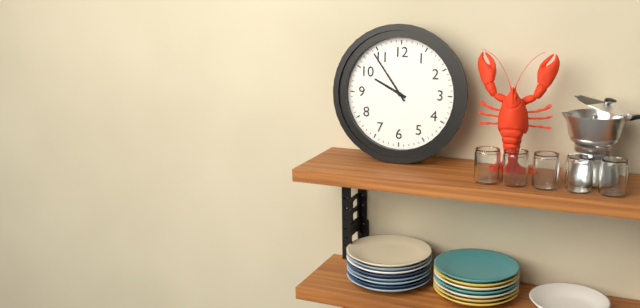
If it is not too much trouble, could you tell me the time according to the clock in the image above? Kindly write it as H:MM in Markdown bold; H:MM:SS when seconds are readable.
**9:54**
